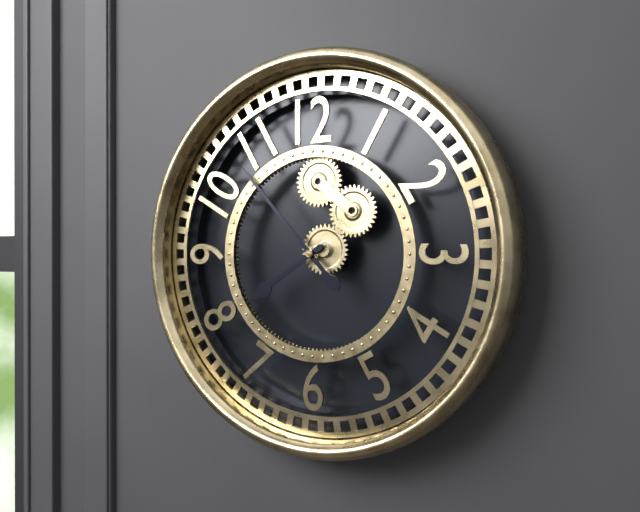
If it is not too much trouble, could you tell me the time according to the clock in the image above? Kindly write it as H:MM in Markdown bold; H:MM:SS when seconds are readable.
**7:53**
